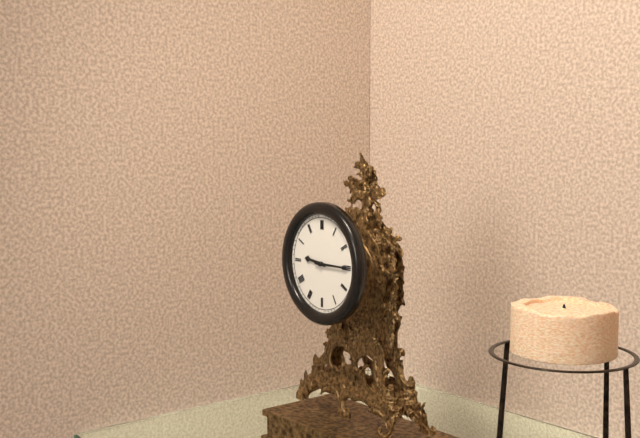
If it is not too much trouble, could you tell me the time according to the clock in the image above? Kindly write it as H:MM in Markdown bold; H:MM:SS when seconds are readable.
**9:15**
